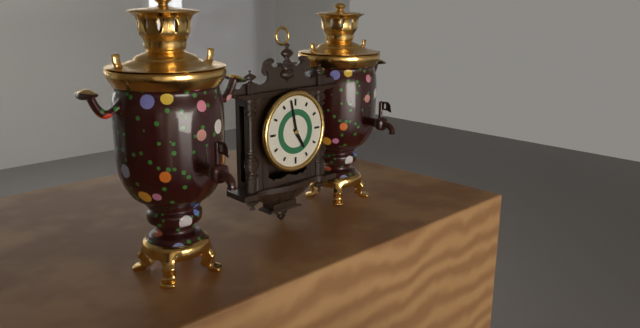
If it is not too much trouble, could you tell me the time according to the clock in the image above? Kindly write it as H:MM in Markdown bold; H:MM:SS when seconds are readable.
**4:58**
